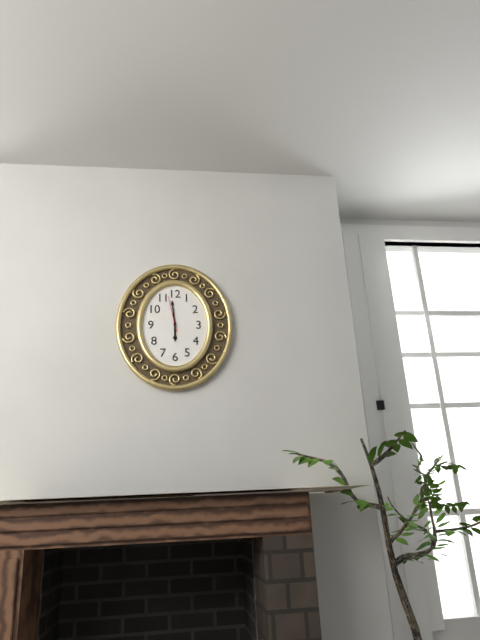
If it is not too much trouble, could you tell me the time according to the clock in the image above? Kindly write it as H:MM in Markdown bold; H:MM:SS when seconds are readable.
**5:59**
